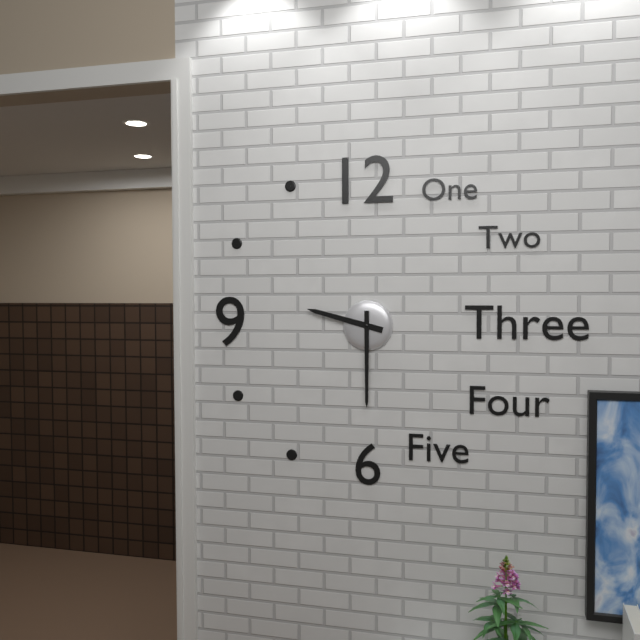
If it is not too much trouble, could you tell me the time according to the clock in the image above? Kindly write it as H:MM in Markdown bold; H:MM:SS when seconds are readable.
**9:30**
